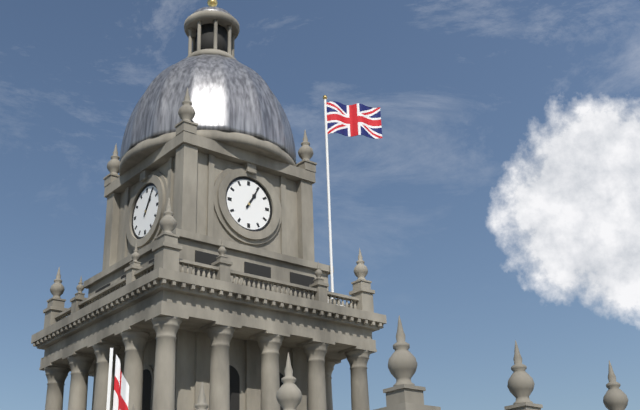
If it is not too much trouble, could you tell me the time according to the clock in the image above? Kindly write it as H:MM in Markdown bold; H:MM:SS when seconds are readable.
**1:05**
